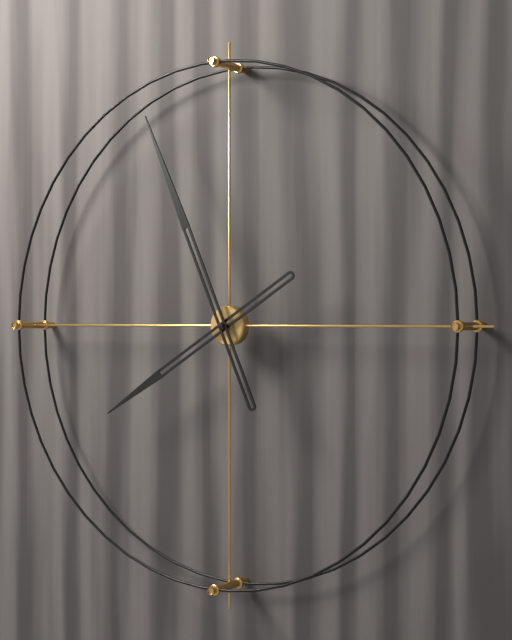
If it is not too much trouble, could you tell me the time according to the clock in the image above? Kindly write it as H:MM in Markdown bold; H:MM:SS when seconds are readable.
**7:56**
